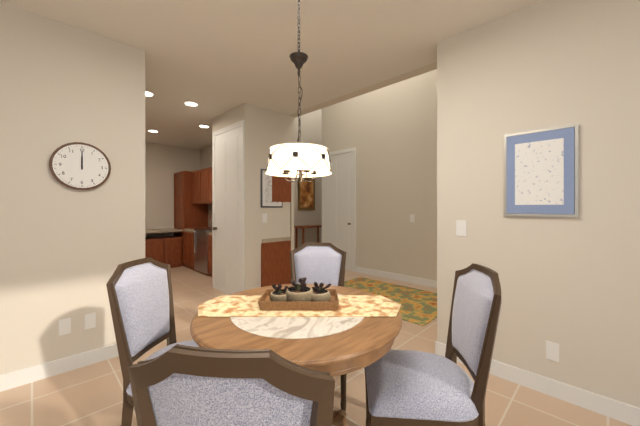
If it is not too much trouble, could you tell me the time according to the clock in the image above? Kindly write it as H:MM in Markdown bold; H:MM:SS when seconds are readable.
**12:00**
